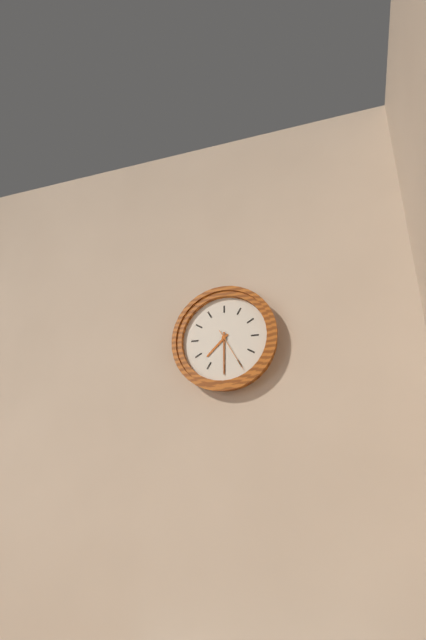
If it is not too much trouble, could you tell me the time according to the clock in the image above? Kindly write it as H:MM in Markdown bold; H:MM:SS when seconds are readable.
**7:30**
